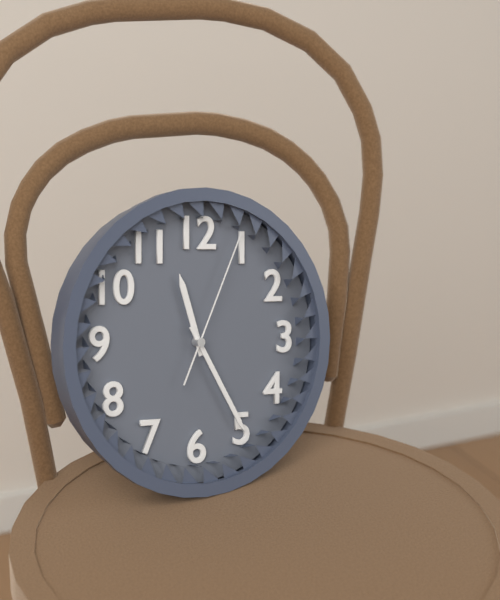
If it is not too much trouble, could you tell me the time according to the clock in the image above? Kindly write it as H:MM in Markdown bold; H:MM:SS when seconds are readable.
**11:25:04**
